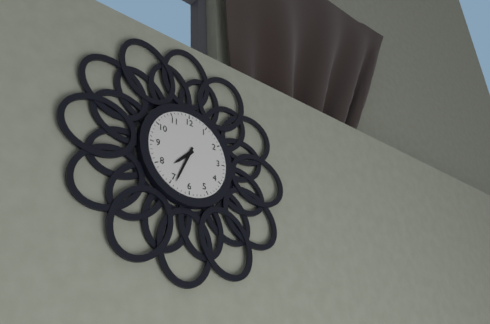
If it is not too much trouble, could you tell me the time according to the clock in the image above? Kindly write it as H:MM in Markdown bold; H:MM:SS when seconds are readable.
**7:34**
